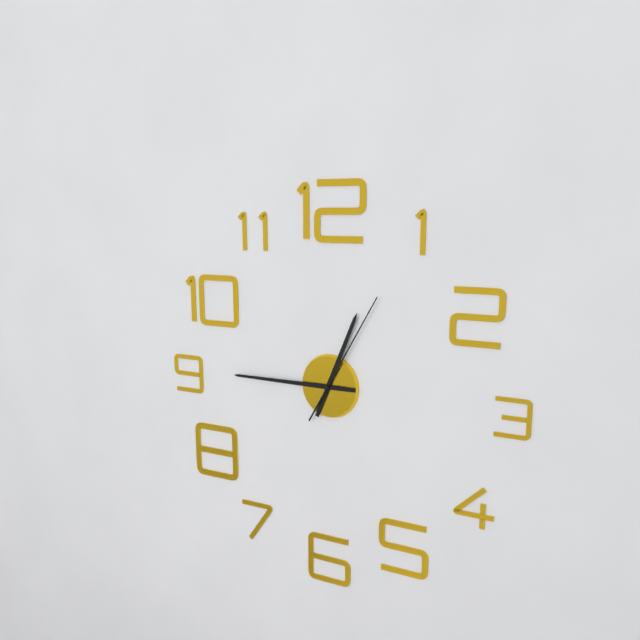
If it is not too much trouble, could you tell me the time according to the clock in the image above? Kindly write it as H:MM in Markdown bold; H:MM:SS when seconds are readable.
**12:45:05**
